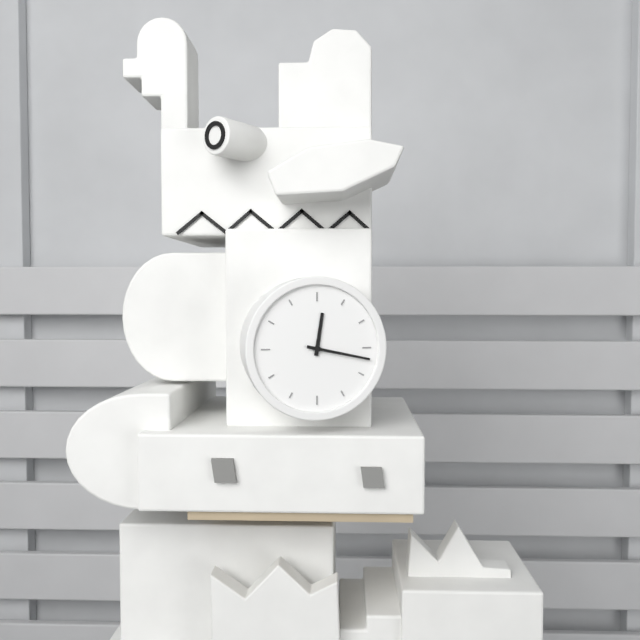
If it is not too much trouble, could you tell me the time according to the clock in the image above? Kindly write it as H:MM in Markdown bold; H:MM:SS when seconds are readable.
**12:17**
